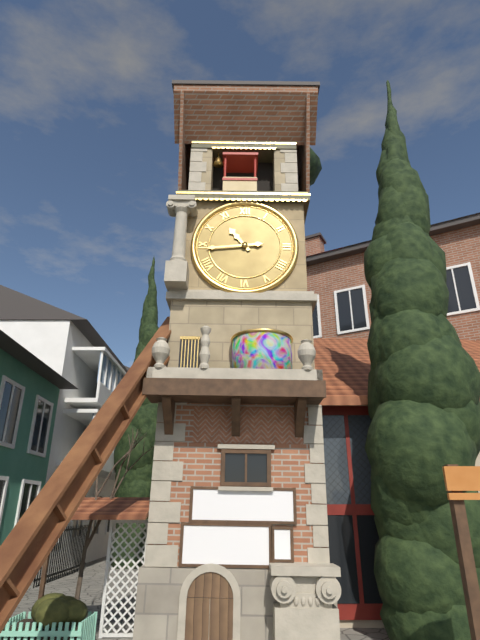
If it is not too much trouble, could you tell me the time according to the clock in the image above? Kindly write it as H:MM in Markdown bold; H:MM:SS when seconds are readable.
**10:44**
